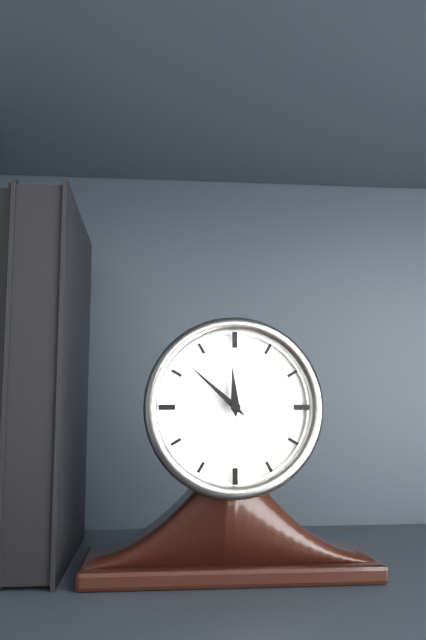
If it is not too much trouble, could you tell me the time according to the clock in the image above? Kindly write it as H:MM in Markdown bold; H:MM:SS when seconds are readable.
**11:52**
